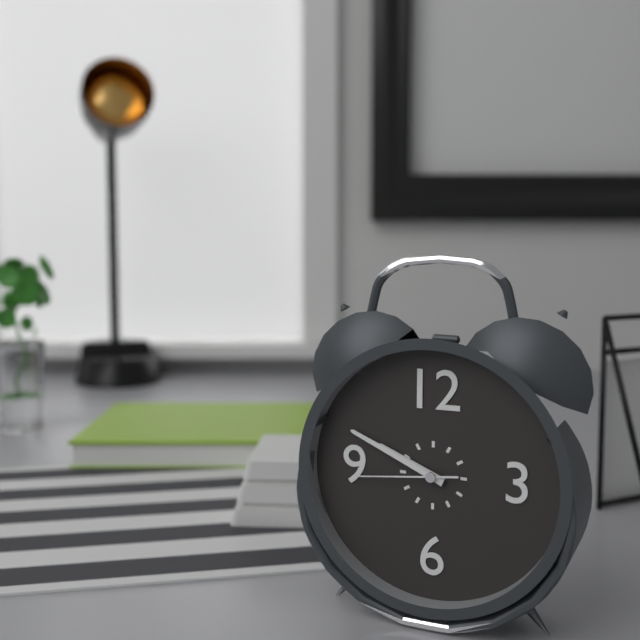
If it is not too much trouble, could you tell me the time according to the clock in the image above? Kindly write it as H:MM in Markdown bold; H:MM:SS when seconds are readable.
**9:49:44**
